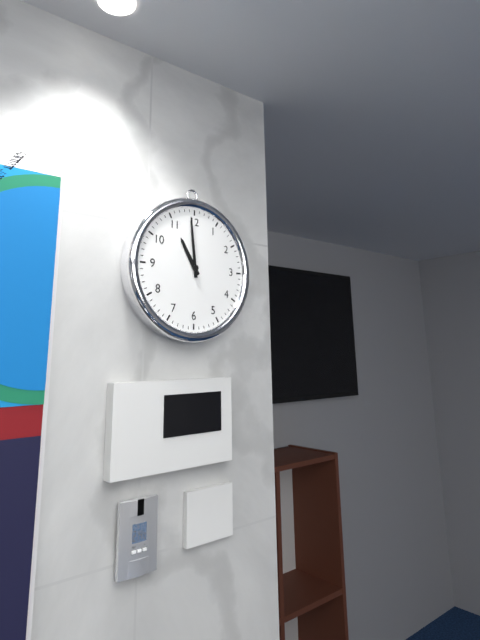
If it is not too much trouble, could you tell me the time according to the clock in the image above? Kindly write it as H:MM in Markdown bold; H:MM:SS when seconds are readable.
**10:59**
